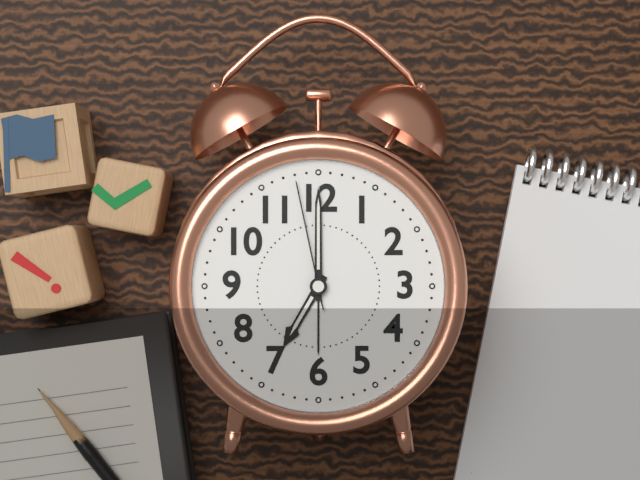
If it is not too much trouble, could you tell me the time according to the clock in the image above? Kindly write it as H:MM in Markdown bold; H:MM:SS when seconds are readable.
**7:00:58**
